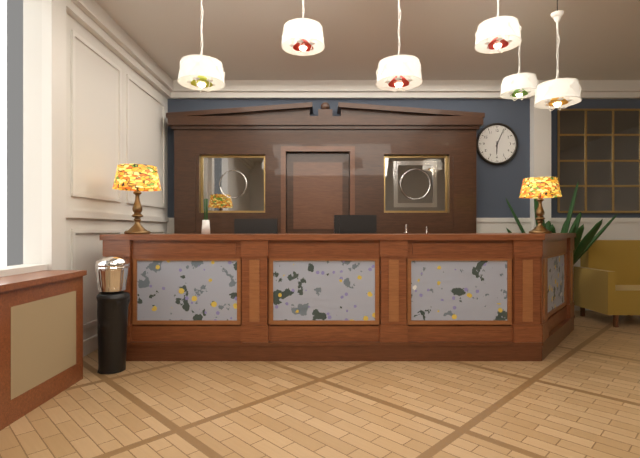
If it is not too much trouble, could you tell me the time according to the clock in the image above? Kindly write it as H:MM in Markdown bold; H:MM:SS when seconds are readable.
**6:04**
